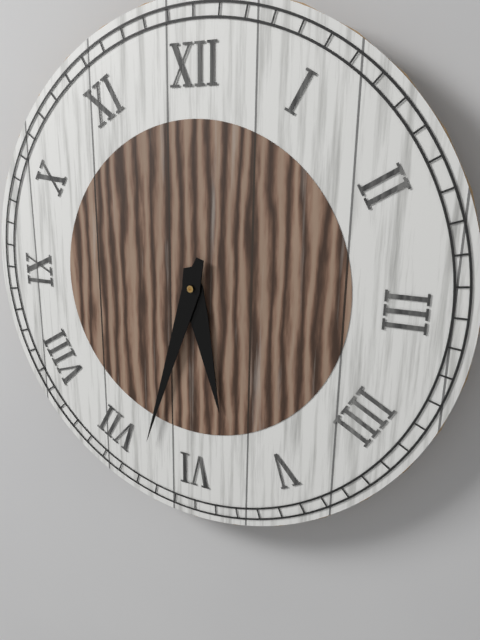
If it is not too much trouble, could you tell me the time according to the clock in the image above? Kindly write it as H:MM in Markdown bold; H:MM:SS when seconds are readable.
**5:33**
